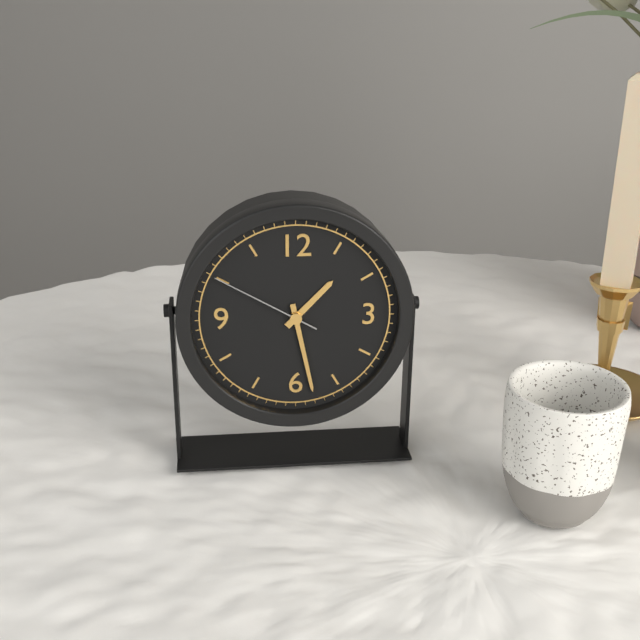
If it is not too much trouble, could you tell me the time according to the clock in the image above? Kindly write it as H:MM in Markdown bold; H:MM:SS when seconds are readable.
**1:28:50**
